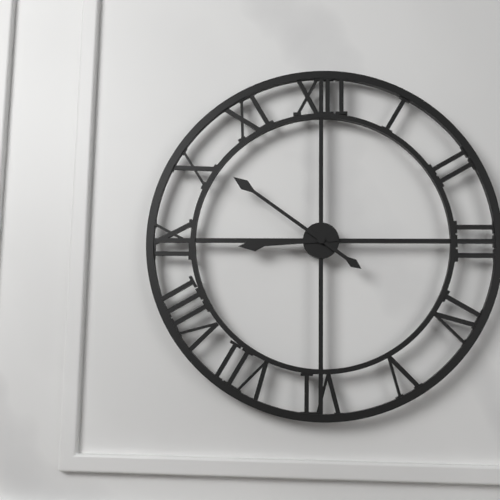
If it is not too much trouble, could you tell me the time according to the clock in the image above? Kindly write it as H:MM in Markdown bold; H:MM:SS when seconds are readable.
**8:51**
